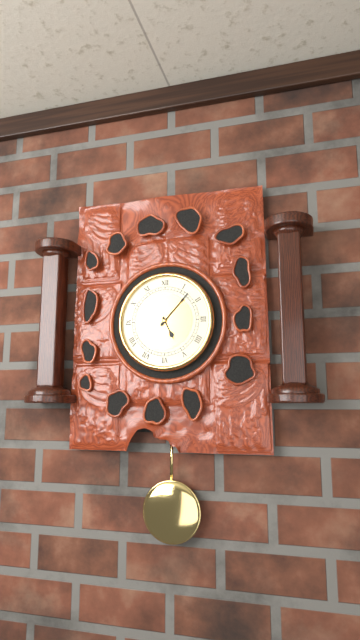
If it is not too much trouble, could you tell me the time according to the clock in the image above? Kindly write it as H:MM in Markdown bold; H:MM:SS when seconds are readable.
**5:07**
